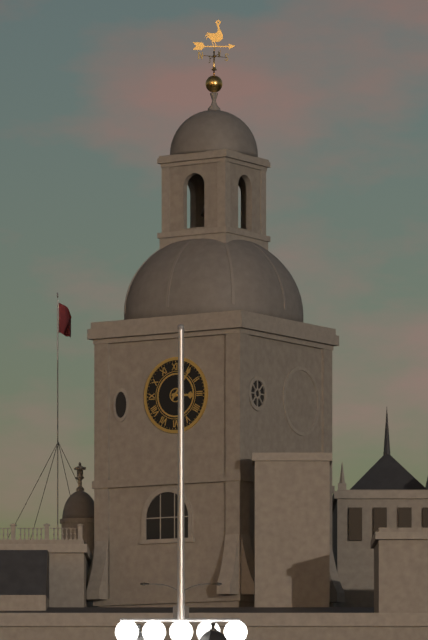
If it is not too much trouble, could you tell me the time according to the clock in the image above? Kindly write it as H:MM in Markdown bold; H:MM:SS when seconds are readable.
**3:06**
